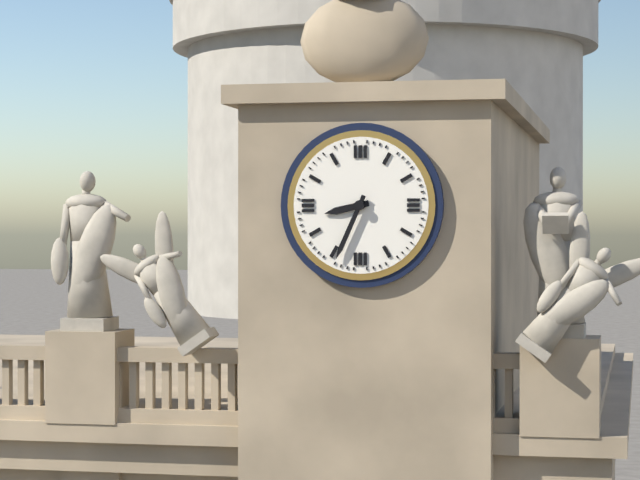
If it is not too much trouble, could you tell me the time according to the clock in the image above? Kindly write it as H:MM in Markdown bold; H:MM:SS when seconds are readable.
**8:34**
